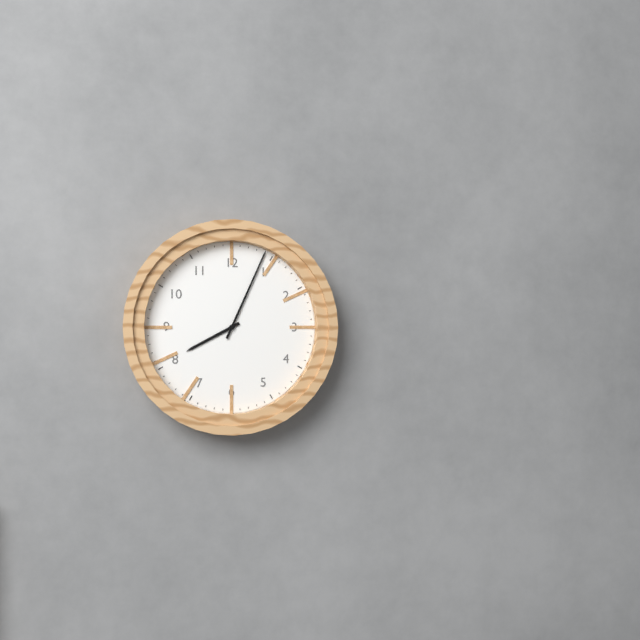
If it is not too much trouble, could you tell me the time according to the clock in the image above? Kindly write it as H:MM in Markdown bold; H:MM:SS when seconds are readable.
**8:04**
